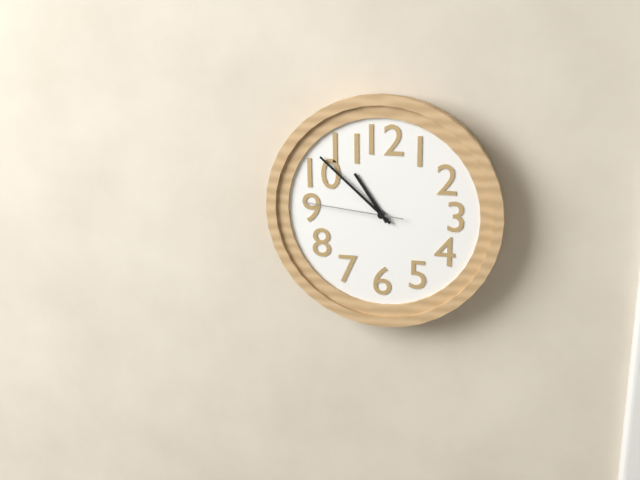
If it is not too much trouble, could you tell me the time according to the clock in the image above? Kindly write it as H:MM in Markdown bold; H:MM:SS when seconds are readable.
**10:52:46**
